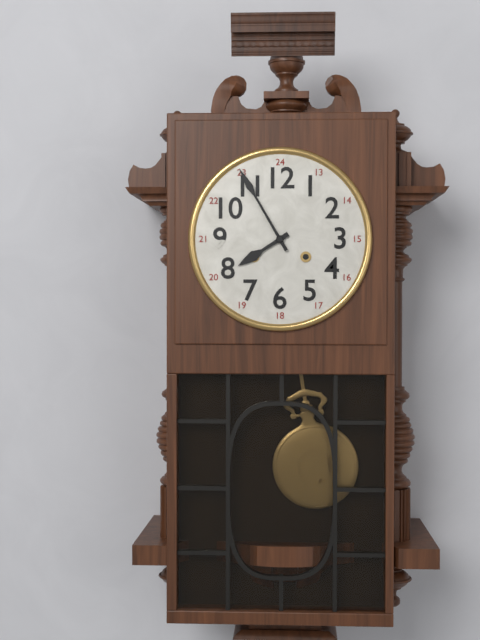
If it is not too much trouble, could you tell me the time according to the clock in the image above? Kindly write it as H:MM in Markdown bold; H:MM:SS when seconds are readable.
**7:55**
